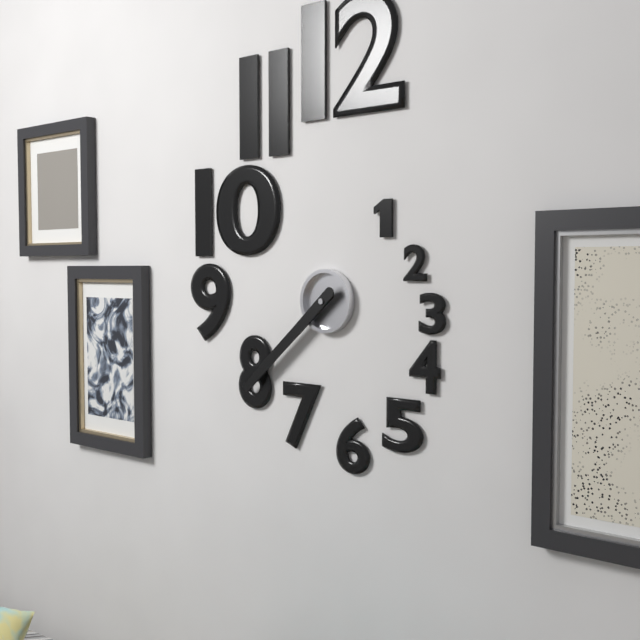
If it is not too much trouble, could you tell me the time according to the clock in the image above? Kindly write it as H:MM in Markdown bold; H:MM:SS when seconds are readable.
**7:38**
